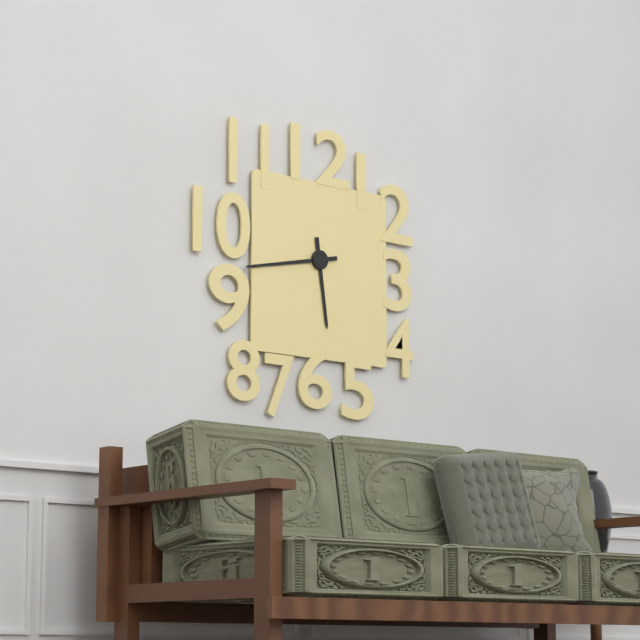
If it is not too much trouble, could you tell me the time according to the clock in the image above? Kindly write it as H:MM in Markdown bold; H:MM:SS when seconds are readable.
**5:43**
